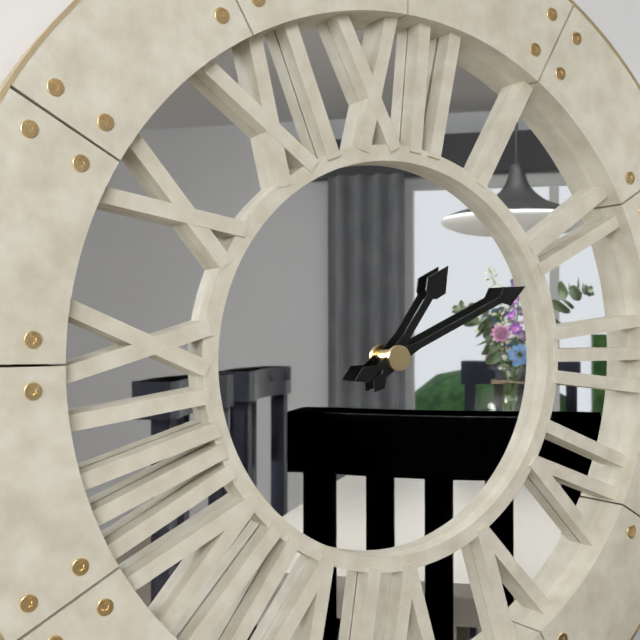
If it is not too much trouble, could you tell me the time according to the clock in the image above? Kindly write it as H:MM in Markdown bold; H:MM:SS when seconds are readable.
**1:11**
